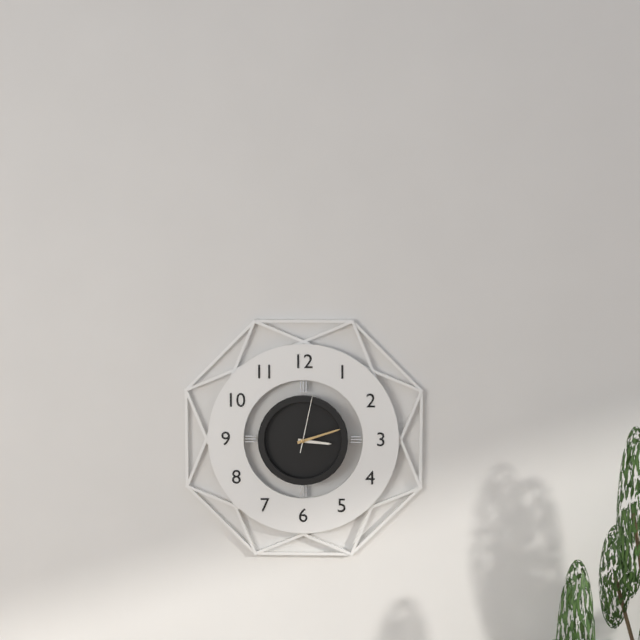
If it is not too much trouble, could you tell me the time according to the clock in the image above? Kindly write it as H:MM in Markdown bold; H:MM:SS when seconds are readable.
**3:12:02**
